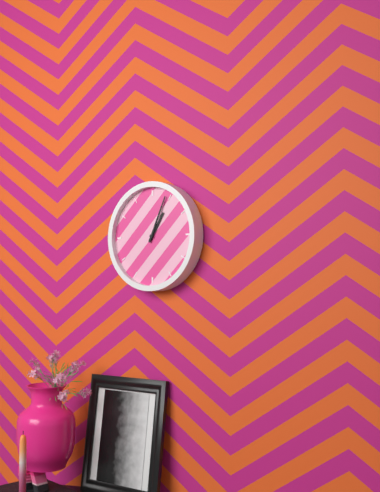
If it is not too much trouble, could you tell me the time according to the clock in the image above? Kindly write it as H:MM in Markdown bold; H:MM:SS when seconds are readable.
**1:04**
